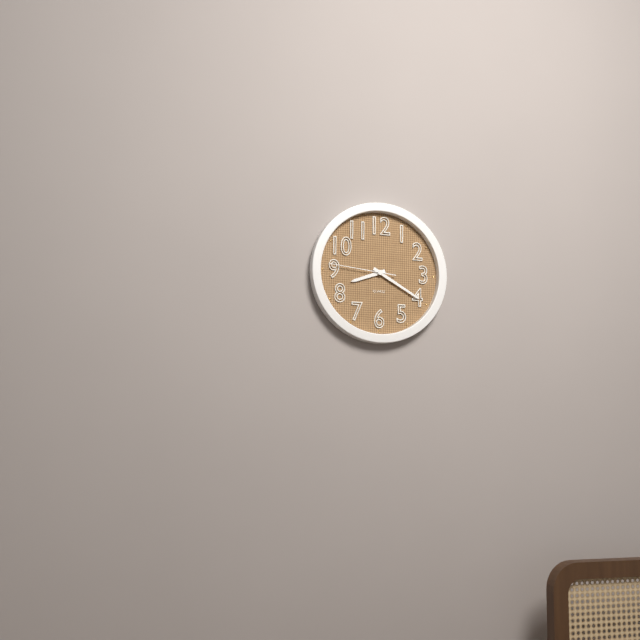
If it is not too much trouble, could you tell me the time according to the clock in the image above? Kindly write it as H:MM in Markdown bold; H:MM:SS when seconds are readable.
**8:20:46**
